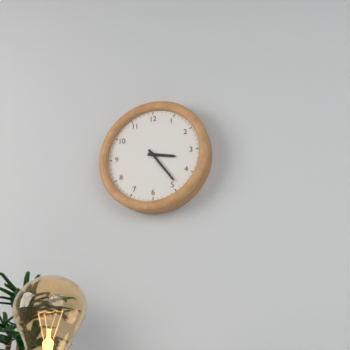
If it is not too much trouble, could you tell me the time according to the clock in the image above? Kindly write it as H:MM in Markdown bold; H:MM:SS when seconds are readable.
**3:24**
